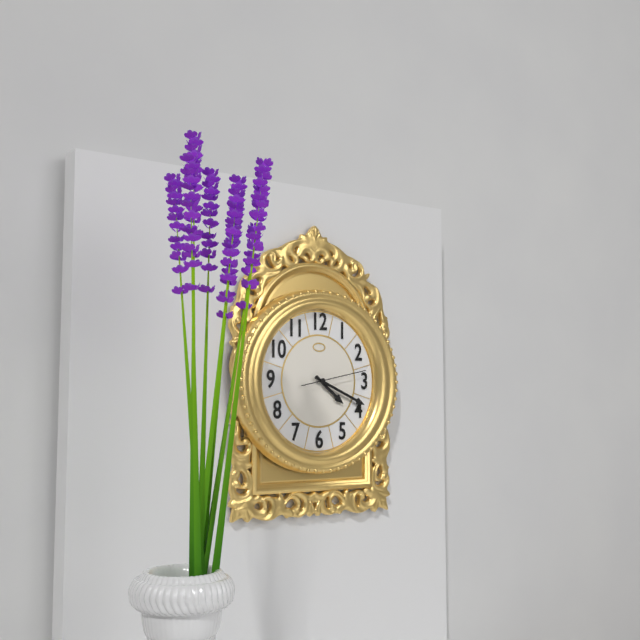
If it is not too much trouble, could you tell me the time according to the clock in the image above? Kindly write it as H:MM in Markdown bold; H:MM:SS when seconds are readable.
**4:19:13**
